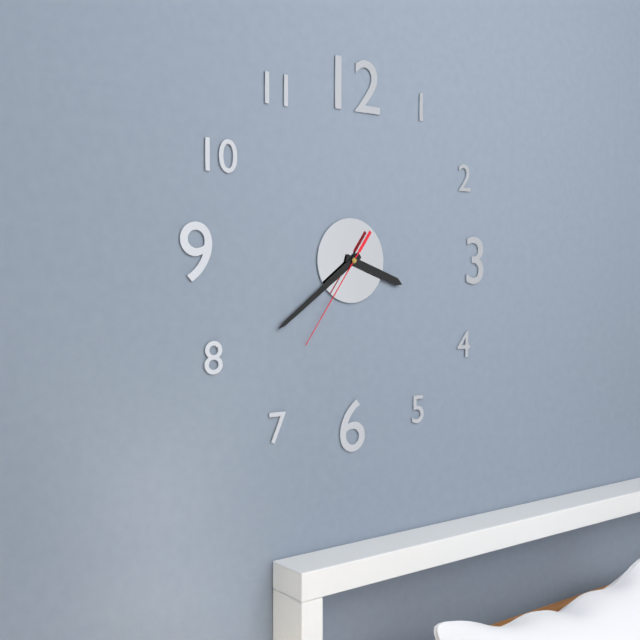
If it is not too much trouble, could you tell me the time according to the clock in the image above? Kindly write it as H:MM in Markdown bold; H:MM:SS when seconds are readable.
**3:39:36**
